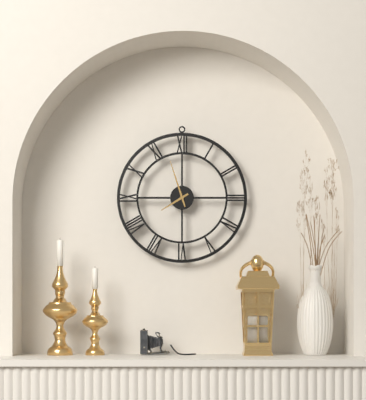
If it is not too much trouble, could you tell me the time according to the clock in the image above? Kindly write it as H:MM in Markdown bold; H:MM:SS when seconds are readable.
**7:57**
